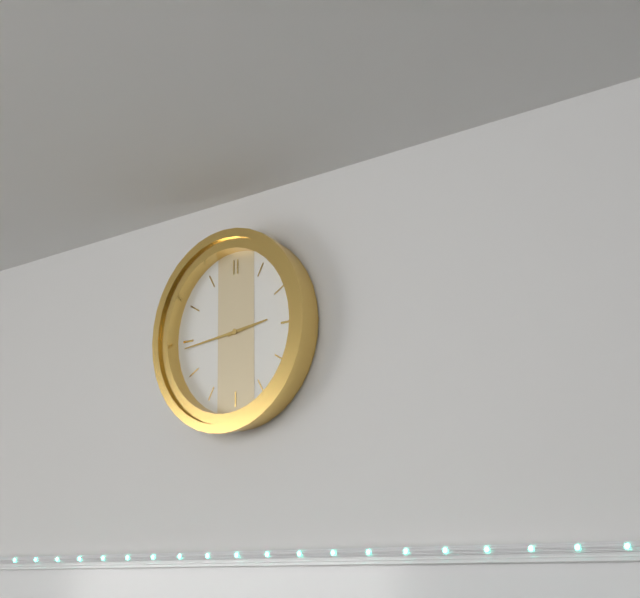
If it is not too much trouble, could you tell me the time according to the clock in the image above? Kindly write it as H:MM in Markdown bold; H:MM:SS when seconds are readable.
**2:44**
